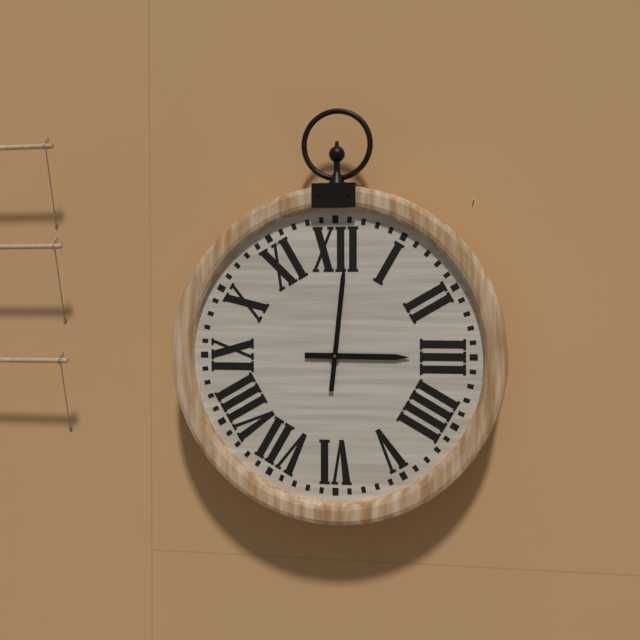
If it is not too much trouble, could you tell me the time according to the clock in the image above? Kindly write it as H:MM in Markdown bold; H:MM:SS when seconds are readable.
**3:01**
